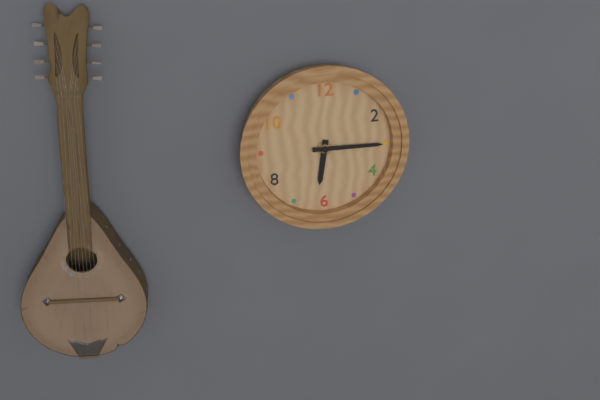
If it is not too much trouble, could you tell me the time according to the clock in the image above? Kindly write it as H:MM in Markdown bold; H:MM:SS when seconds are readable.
**6:15**
